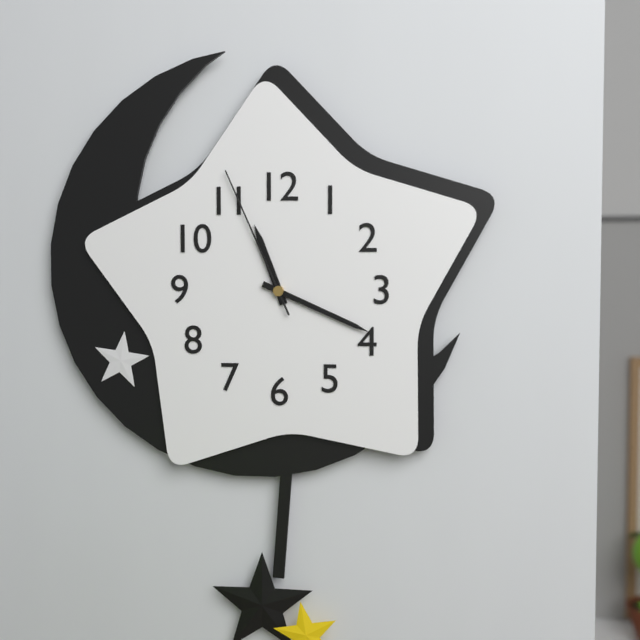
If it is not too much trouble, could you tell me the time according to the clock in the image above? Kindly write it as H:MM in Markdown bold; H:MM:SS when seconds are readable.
**11:19:56**
